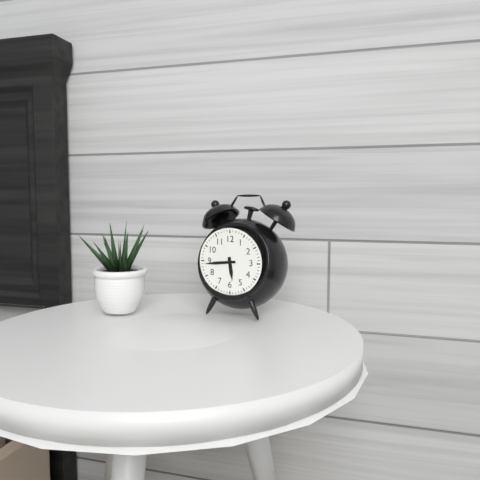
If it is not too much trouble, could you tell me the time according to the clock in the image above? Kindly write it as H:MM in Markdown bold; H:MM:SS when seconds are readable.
**5:44**
